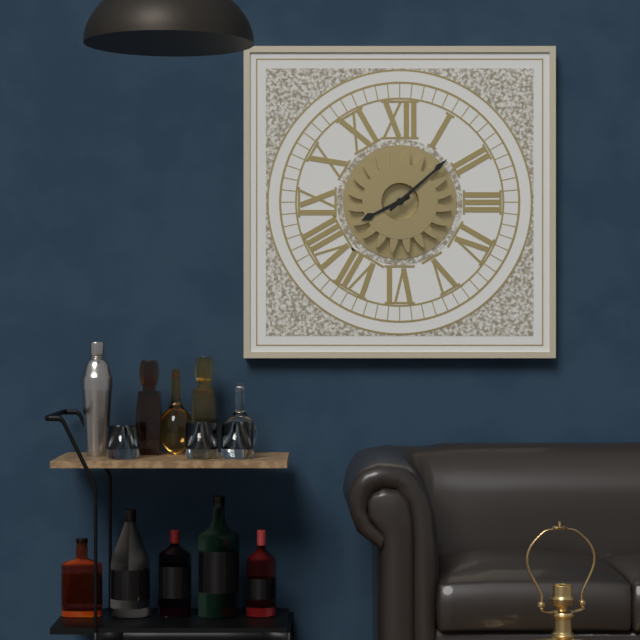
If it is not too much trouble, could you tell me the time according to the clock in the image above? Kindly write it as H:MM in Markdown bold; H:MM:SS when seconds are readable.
**8:08**
